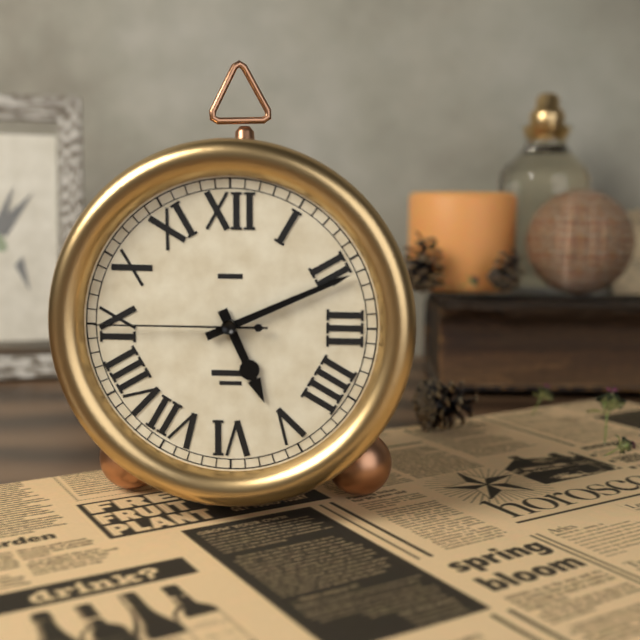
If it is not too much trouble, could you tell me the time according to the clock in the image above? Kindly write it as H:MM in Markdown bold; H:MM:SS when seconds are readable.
**5:11:45**
